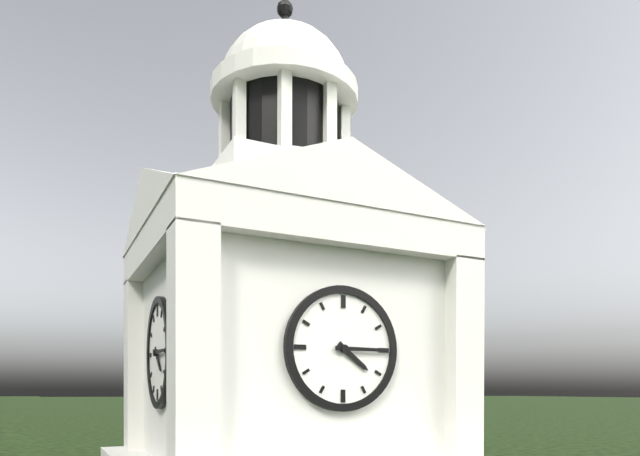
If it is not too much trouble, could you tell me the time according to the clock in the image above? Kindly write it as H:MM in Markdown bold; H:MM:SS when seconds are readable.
**4:15**
